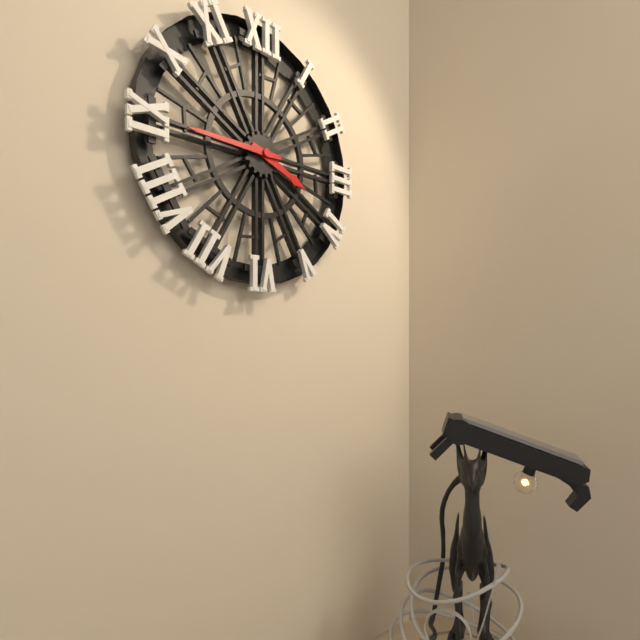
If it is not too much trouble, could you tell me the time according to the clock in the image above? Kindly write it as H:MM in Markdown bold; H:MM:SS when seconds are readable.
**3:45**
